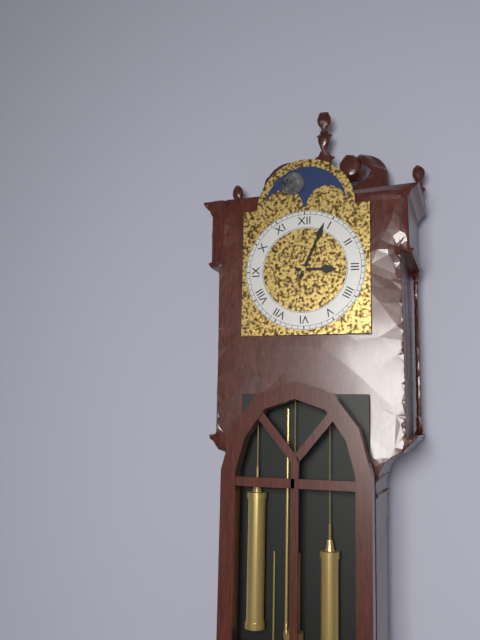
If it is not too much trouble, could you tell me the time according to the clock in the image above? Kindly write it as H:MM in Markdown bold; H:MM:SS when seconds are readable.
**3:04**
